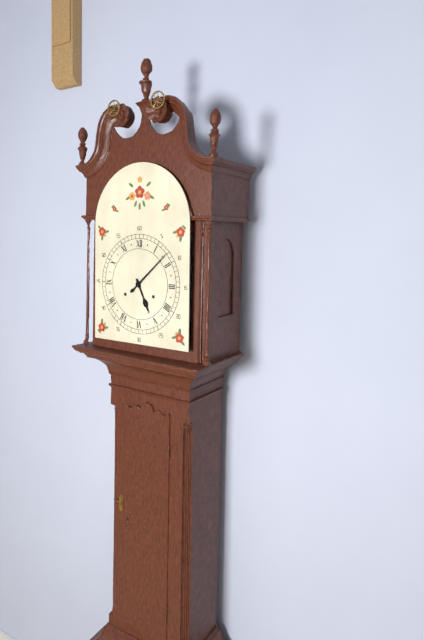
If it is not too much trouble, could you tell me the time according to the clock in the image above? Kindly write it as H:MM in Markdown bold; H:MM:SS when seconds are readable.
**5:08**
